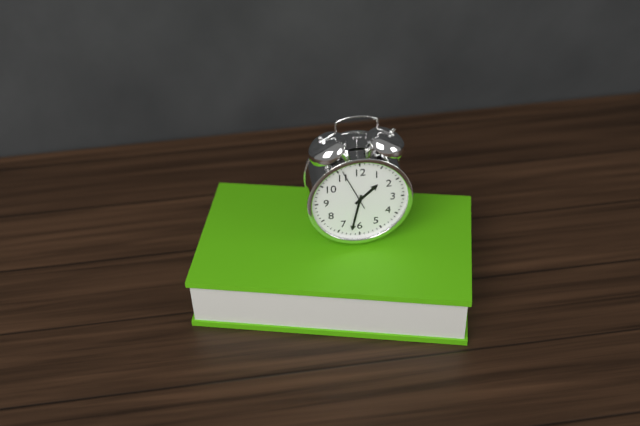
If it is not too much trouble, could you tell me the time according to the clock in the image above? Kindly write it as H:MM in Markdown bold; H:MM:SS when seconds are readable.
**1:32**
